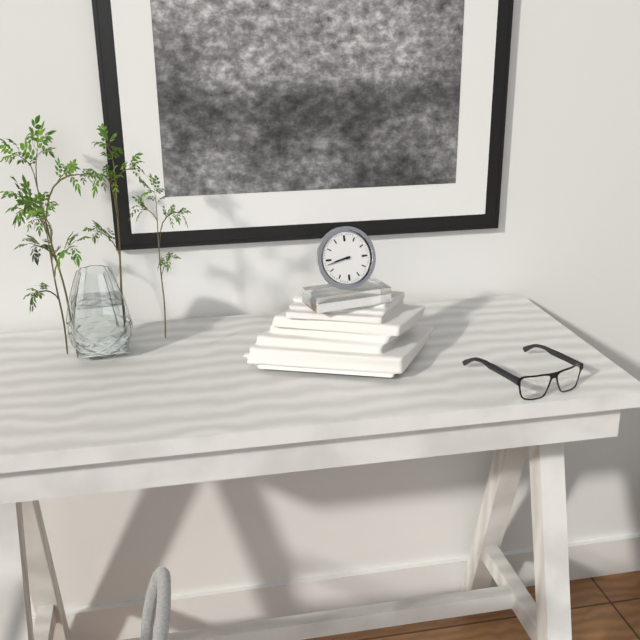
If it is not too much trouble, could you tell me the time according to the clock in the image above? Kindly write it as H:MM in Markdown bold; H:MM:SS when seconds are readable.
**8:43**
